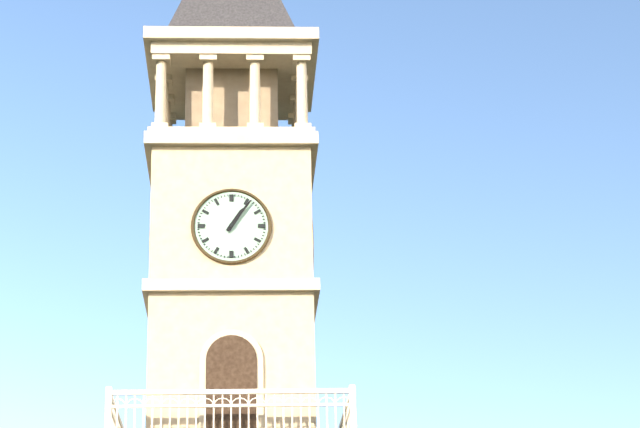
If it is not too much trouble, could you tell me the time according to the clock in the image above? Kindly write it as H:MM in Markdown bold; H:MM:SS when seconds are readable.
**1:06**
